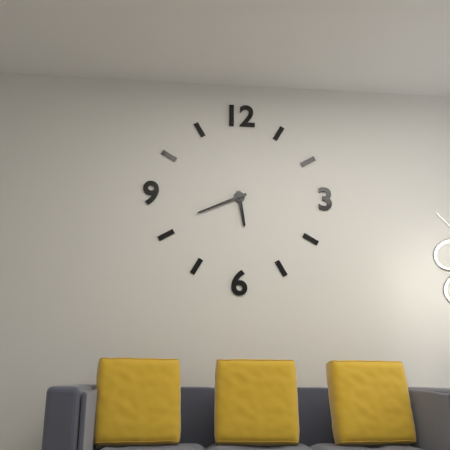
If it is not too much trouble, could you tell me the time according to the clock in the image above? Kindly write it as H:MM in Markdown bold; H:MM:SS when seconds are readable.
**5:41**
